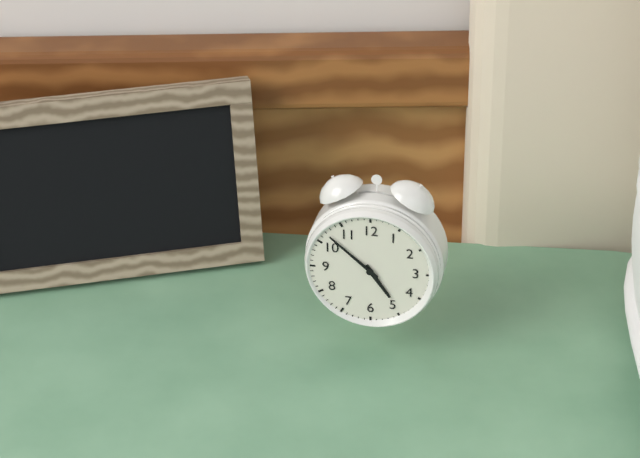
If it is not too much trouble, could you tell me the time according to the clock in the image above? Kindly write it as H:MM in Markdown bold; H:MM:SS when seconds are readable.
**4:52**
